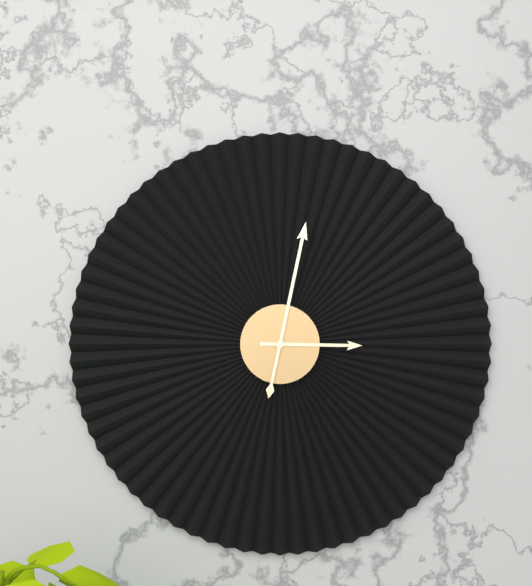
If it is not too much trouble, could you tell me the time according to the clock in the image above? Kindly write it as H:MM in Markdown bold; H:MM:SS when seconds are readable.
**3:02**
